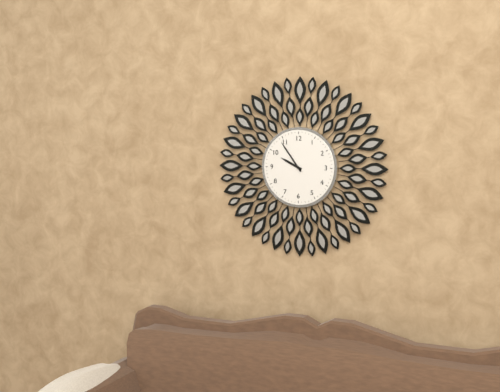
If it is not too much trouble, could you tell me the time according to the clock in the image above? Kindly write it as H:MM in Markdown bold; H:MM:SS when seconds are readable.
**9:54**
